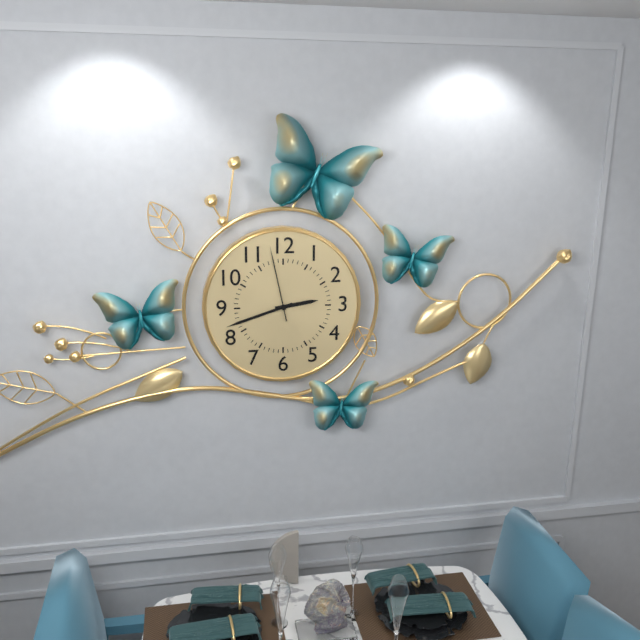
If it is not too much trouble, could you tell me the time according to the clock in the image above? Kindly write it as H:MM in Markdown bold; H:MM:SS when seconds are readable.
**2:42:58**
